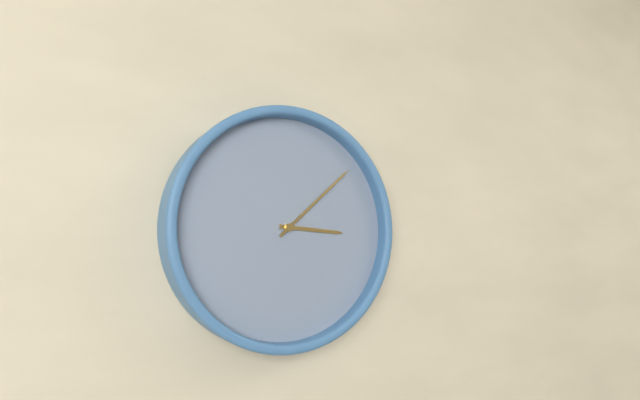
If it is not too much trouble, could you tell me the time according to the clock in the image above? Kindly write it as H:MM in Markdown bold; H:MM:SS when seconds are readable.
**3:08**
